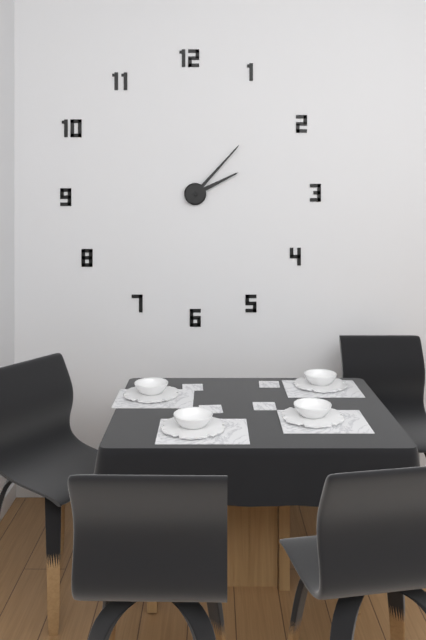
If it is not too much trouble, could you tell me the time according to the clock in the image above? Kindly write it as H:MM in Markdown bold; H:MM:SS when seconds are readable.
**2:07**
